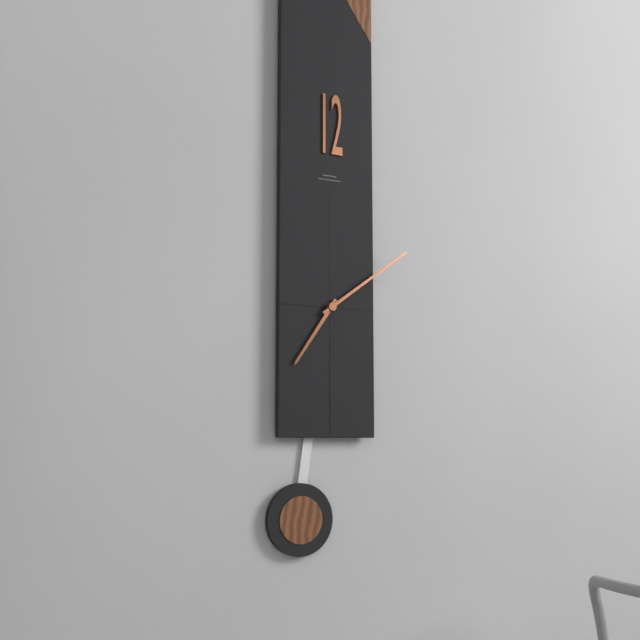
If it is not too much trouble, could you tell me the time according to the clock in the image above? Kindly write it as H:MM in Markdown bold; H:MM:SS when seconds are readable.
**7:09**
